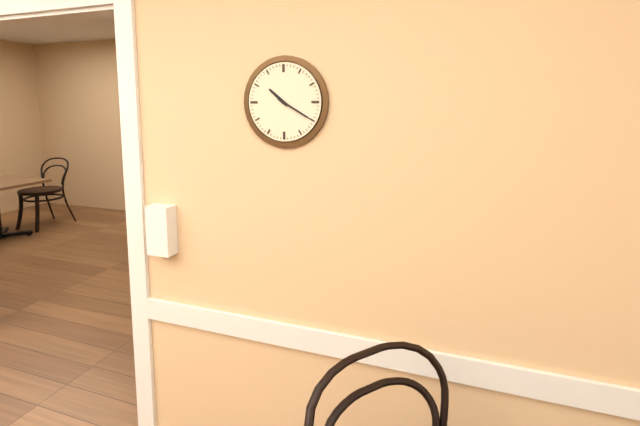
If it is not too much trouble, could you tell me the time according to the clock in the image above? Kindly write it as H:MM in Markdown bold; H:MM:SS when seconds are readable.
**10:20**
